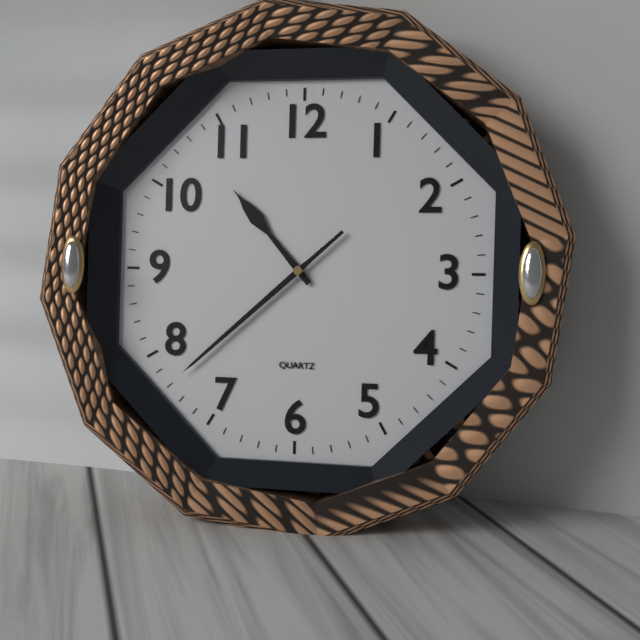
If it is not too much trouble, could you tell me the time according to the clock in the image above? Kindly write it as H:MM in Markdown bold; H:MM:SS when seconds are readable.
**10:38**
